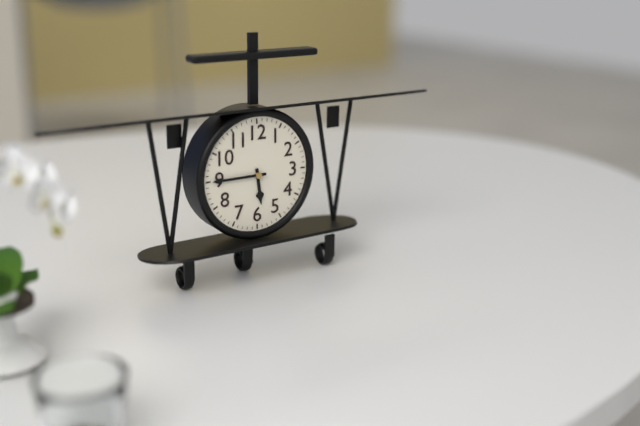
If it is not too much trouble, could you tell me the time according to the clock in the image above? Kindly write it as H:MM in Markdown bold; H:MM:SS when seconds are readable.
**5:45**
